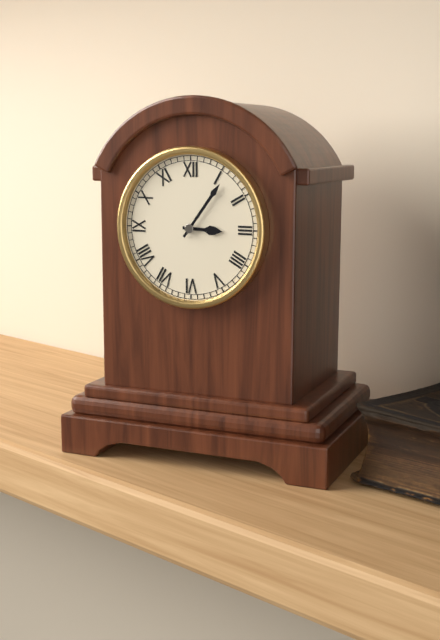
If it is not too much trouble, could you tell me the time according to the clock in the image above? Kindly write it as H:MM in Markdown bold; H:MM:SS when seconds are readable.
**3:06**
